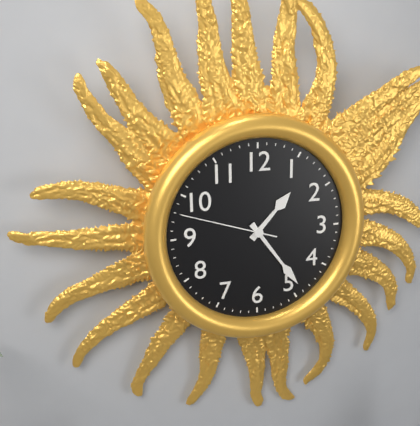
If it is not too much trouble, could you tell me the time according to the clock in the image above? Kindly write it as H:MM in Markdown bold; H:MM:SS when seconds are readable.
**1:24:48**
